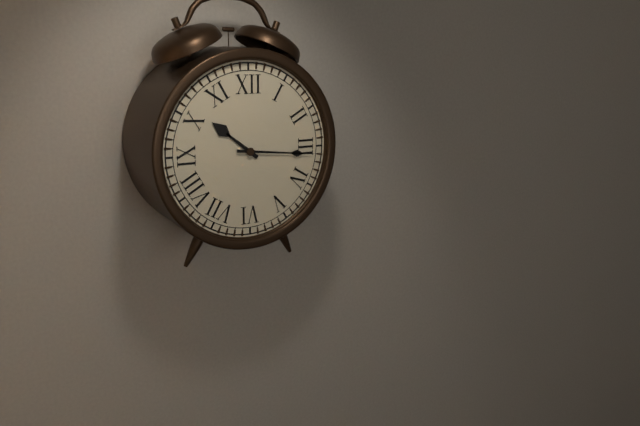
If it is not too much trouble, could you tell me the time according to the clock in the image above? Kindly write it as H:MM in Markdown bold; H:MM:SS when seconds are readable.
**10:16**
